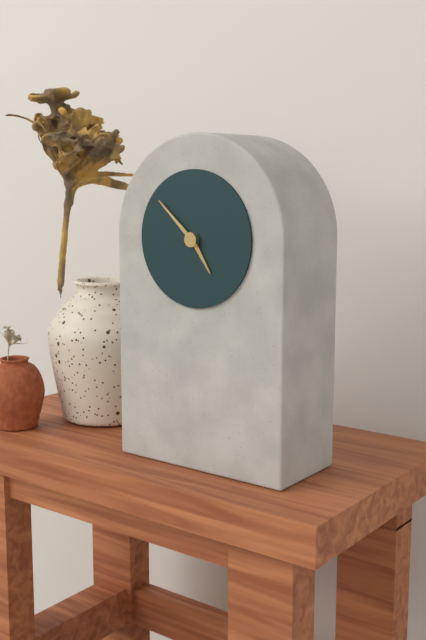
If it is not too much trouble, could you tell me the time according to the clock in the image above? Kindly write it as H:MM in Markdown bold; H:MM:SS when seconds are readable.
**4:52**
